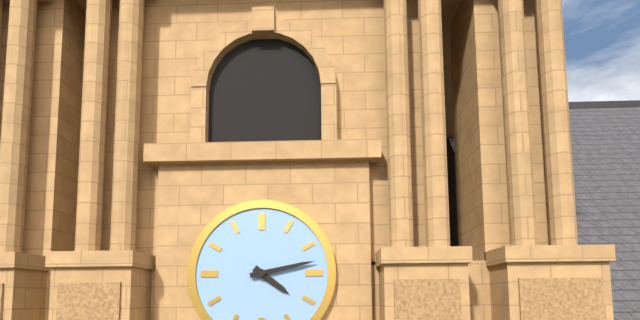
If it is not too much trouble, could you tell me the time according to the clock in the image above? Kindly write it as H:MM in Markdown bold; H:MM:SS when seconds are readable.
**4:13**
